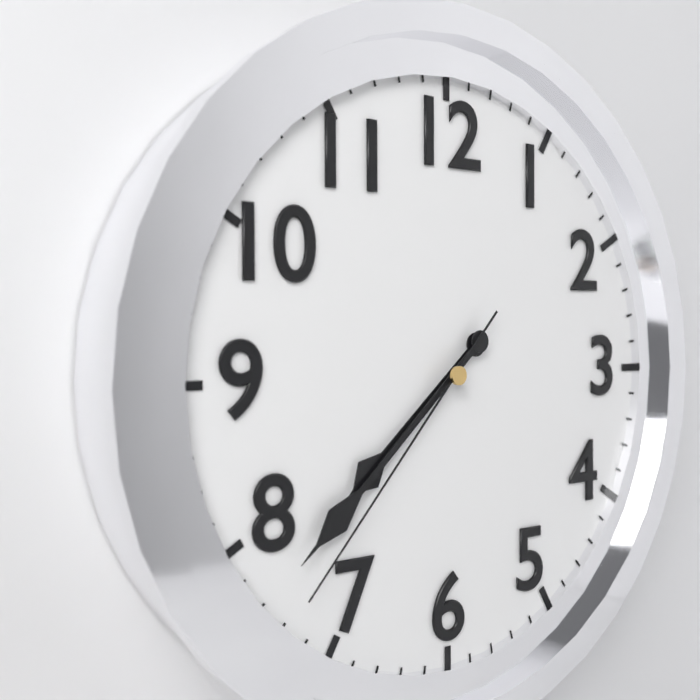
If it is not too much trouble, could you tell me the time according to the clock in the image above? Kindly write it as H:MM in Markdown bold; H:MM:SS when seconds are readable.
**7:38:37**
